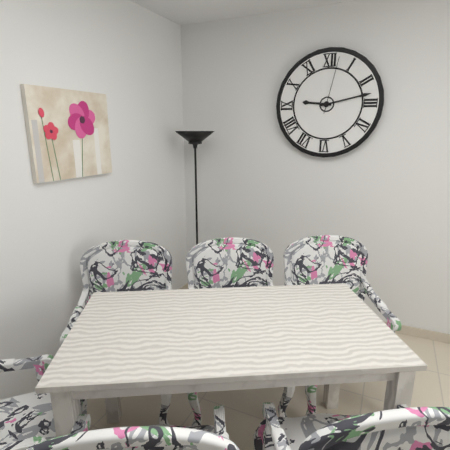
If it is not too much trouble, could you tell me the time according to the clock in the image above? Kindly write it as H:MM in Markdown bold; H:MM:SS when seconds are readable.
**9:13:02**
